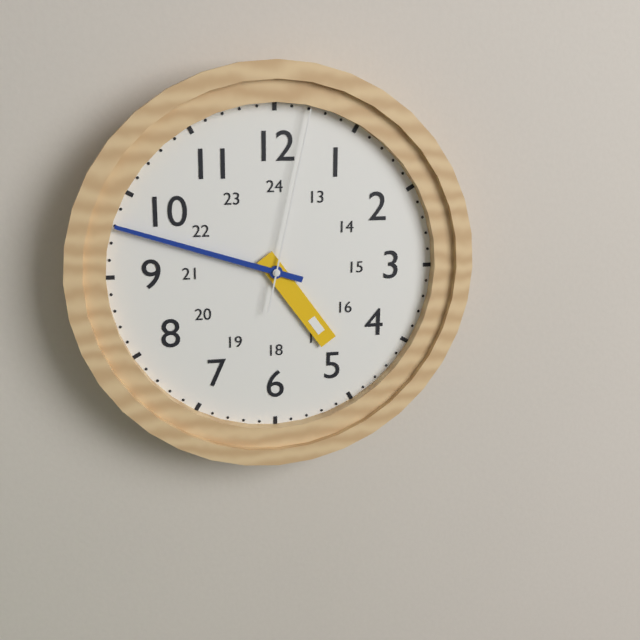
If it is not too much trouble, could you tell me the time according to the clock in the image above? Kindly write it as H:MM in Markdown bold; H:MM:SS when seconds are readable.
**4:48:02**
